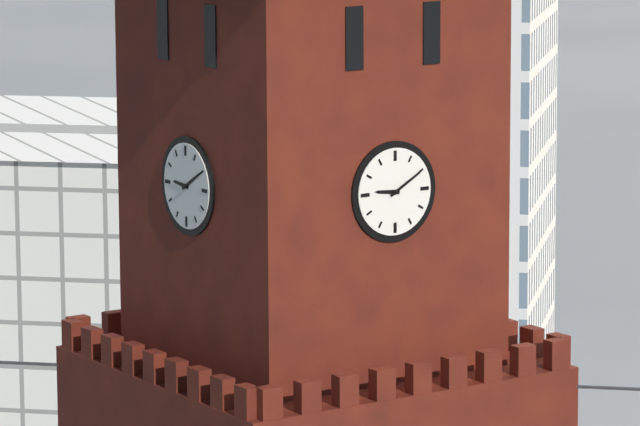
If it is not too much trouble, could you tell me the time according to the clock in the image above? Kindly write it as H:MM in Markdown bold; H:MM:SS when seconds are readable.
**9:10**
